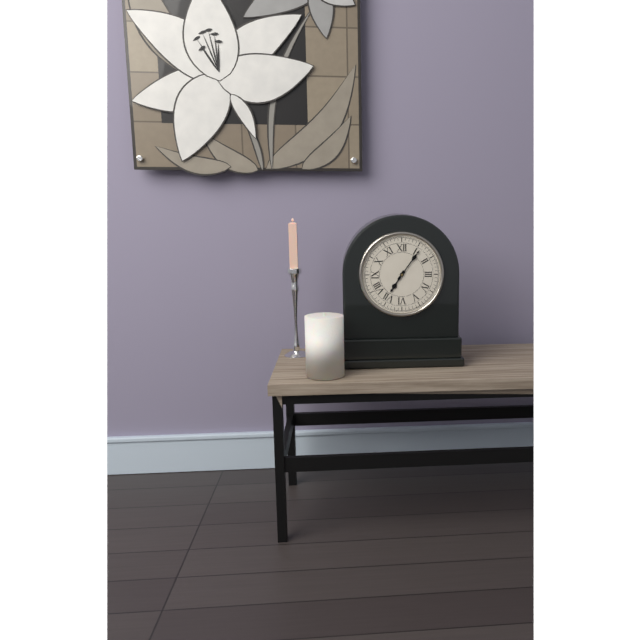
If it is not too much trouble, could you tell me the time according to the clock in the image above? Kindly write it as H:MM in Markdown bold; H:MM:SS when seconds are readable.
**7:06**
